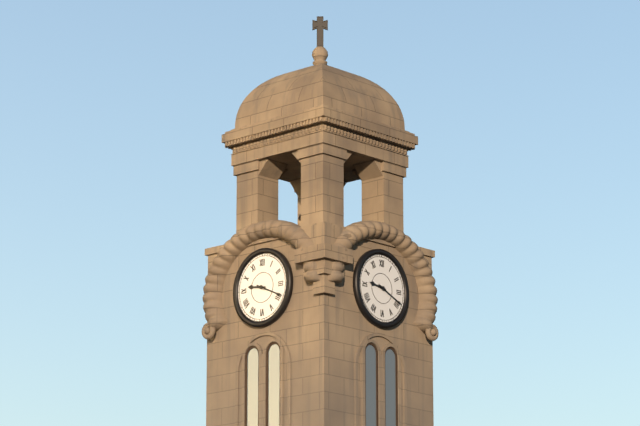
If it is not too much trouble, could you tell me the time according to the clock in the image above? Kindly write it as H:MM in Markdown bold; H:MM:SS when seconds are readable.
**9:19**
